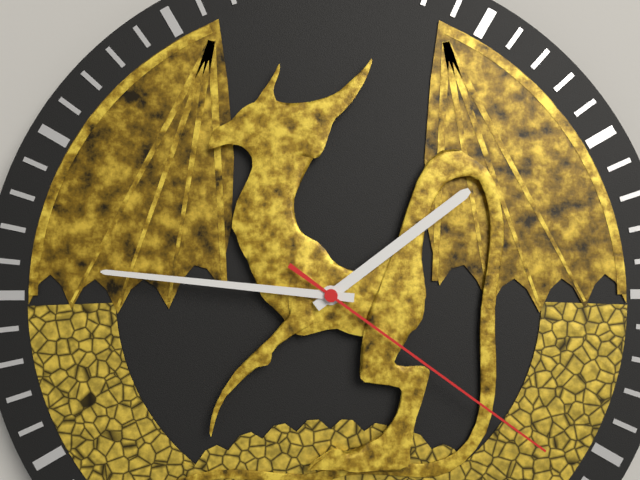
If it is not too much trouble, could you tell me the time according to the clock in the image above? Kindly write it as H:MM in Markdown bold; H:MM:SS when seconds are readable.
**1:46:21**
